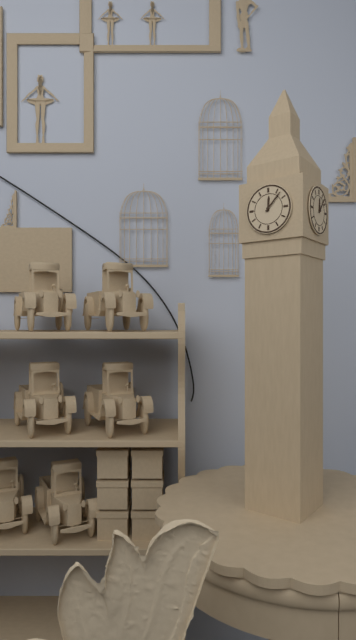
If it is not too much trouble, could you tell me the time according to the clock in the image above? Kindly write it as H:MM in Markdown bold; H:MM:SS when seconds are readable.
**12:07**
